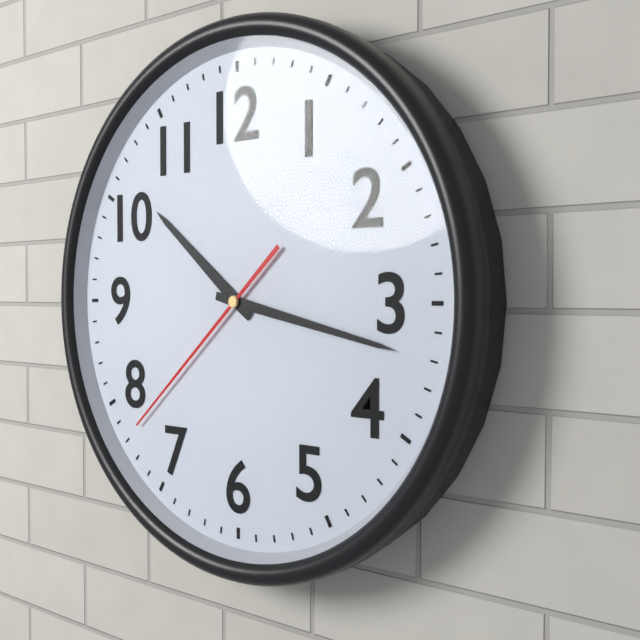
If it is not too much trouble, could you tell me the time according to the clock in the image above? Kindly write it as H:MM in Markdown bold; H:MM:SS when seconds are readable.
**10:17:38**
